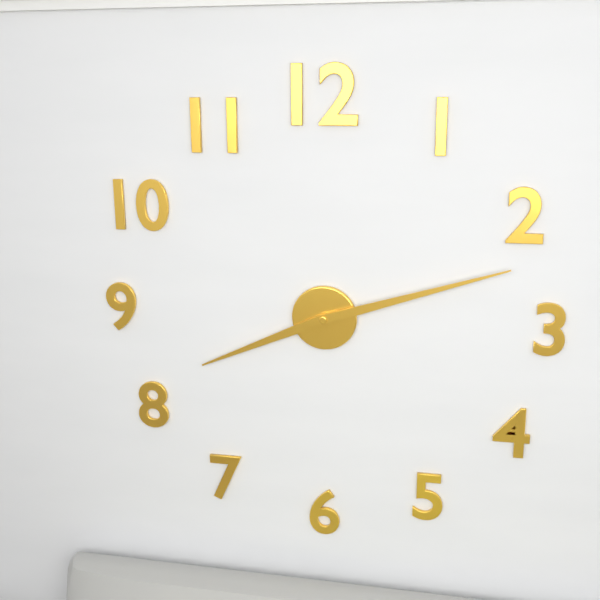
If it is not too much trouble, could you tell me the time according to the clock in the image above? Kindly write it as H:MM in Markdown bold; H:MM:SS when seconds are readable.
**8:12**
